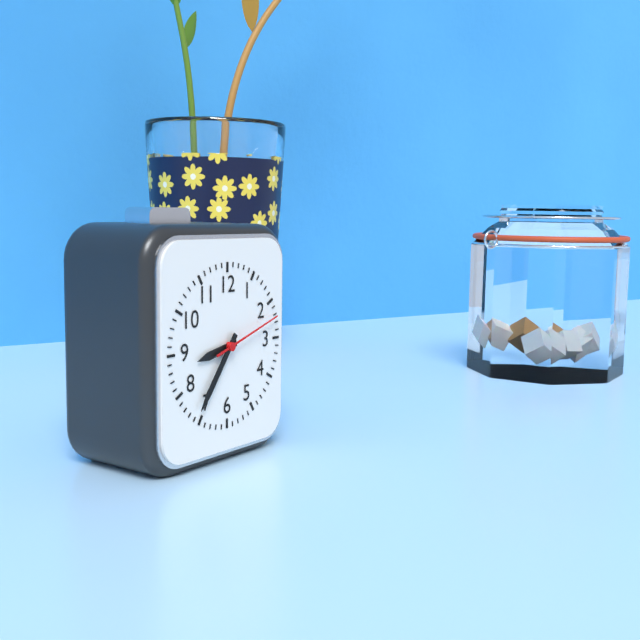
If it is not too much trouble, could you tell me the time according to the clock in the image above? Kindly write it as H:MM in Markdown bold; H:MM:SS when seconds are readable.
**8:36:12**
